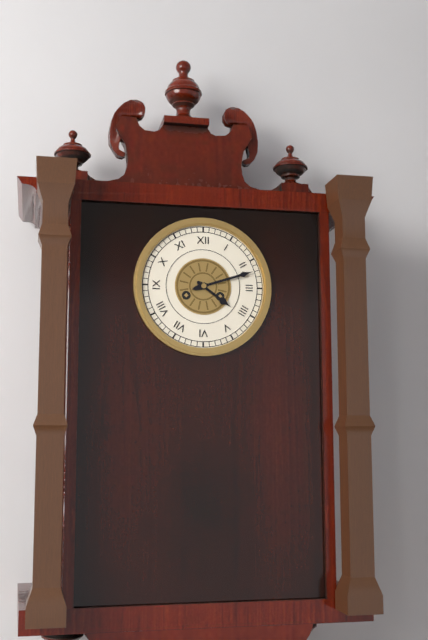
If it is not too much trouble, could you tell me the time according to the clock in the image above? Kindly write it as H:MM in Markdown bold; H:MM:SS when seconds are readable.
**4:12**
